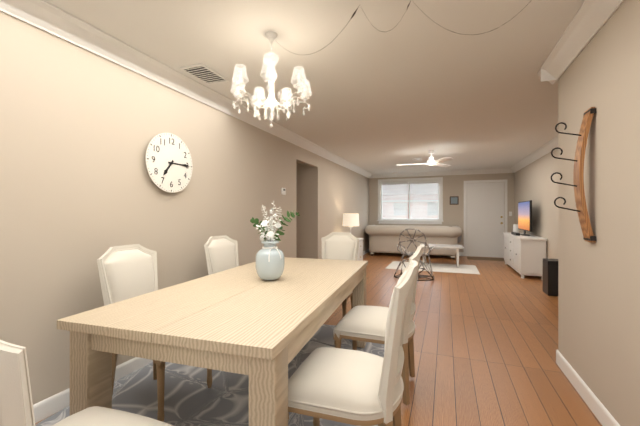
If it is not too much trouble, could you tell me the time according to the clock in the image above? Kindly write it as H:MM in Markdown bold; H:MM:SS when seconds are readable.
**7:15**
